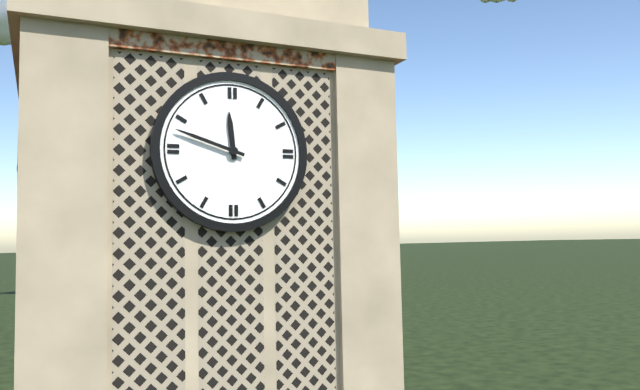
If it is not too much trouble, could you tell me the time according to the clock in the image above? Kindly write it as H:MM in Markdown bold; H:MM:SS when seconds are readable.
**11:48**
